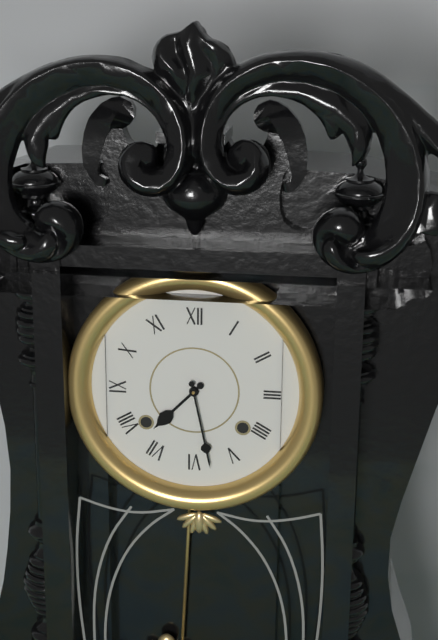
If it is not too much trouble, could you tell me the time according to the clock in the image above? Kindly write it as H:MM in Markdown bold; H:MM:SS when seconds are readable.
**7:28**
